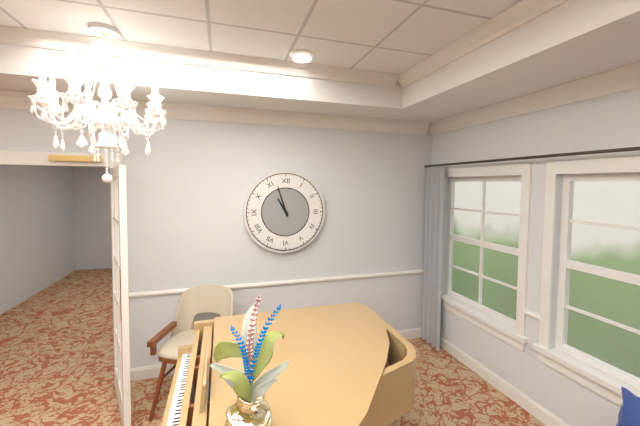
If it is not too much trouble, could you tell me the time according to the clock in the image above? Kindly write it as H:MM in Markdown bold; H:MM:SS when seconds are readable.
**10:57**
